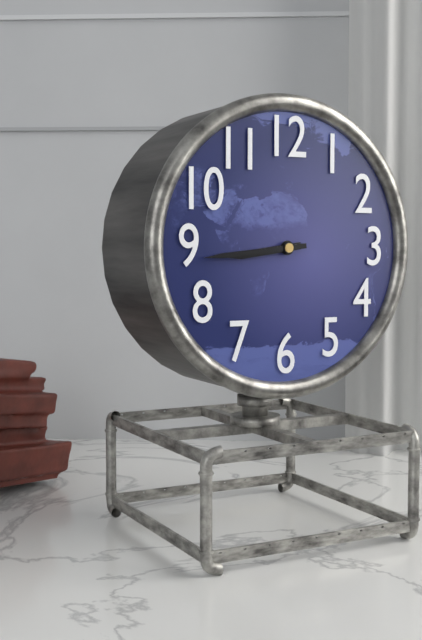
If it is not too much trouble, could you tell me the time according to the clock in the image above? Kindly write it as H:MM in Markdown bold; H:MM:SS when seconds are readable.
**8:44**
